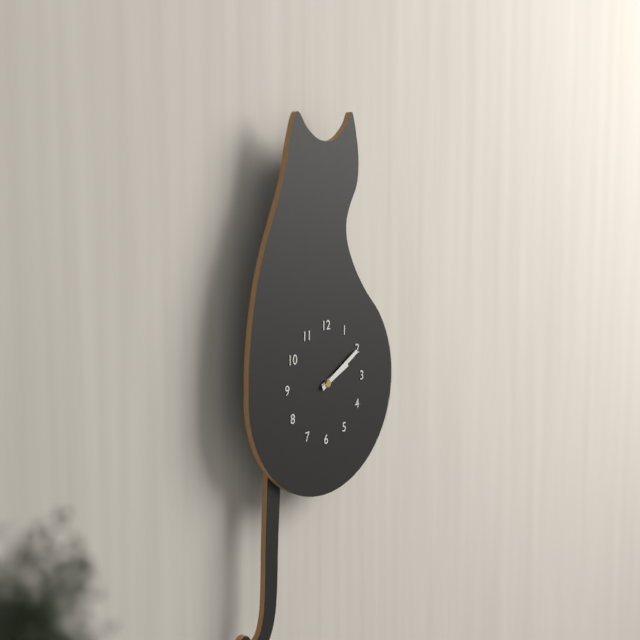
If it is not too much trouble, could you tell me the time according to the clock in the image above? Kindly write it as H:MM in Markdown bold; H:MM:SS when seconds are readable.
**2:10**
